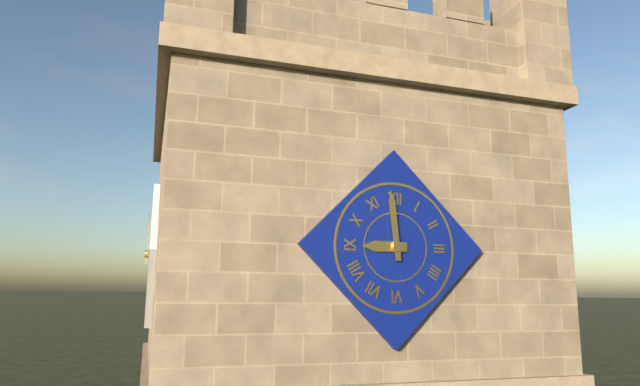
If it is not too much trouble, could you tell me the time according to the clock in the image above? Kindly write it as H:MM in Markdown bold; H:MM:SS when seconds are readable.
**8:59**
